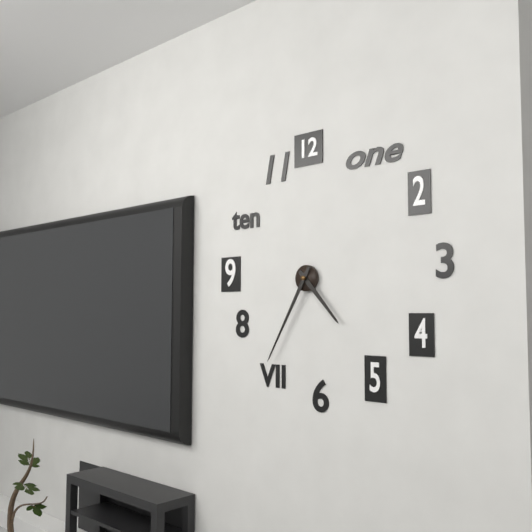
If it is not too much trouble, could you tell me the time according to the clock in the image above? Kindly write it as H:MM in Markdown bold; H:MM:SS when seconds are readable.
**4:35**
